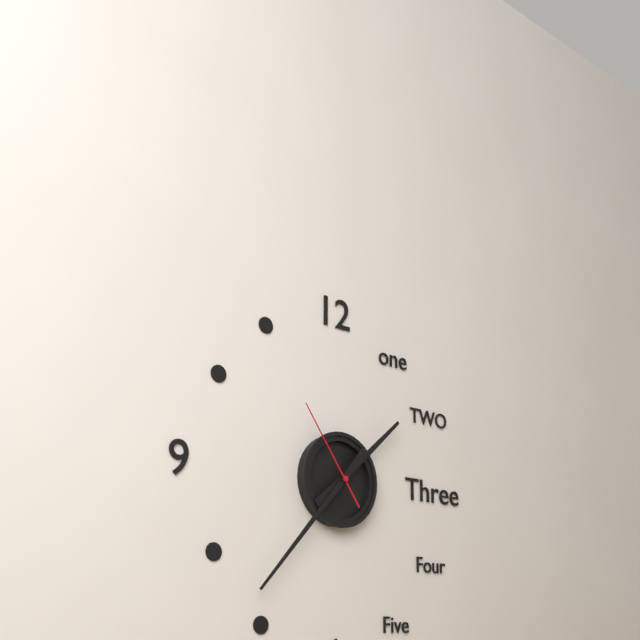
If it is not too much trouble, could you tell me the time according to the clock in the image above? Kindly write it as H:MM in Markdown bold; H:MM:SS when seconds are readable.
**1:37:54**
